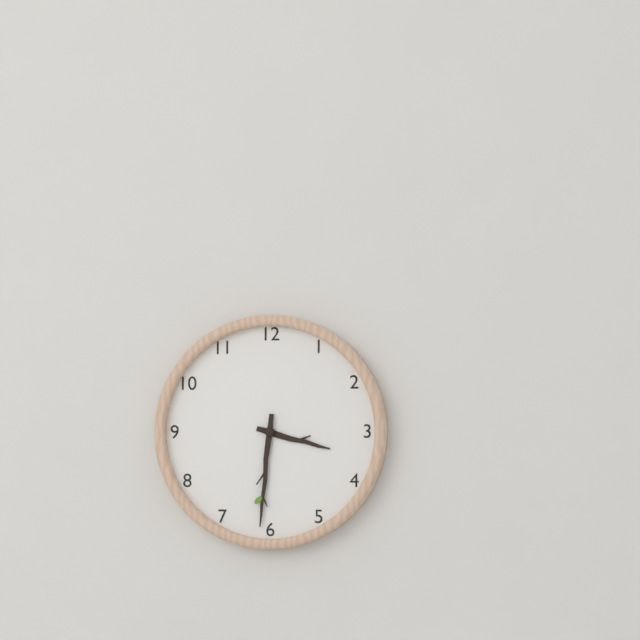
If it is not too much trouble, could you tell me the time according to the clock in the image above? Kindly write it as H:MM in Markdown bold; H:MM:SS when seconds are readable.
**3:31**
